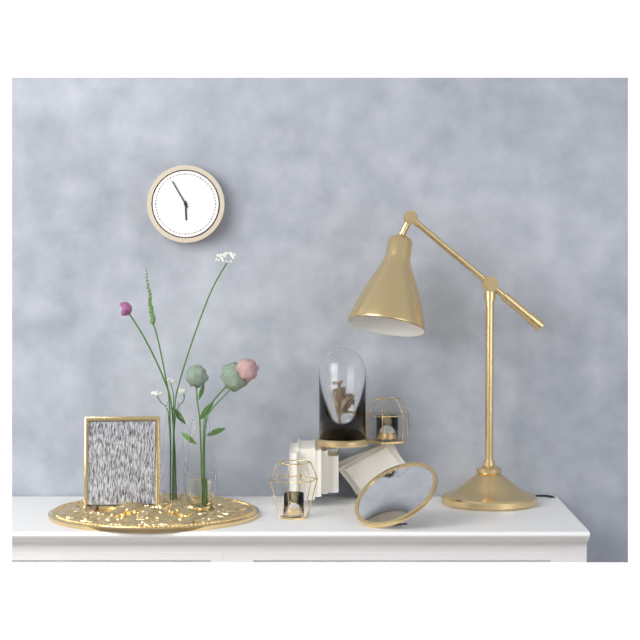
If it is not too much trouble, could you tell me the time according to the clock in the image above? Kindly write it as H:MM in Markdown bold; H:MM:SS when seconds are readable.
**5:55**
